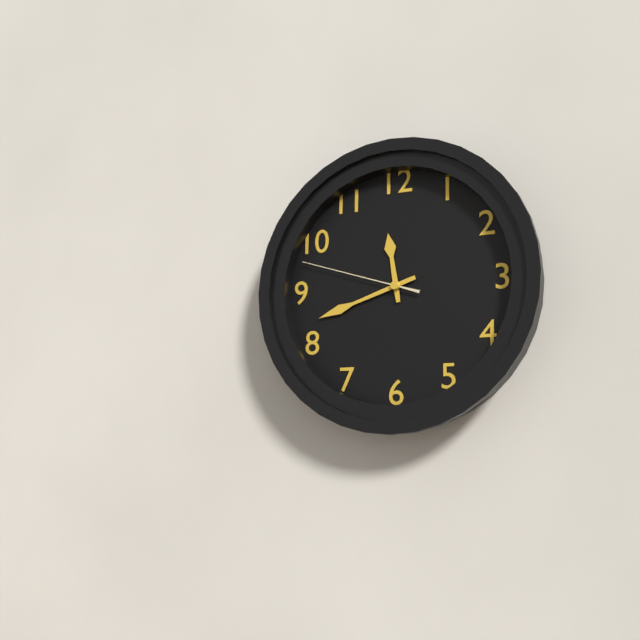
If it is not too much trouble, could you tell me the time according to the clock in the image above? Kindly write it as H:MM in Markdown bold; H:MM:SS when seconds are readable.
**11:42:48**
